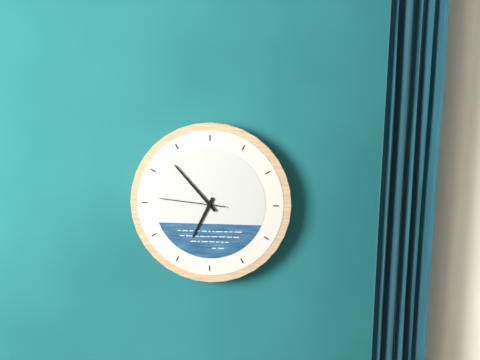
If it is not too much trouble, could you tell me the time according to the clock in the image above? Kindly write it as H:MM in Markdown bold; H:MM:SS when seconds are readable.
**6:53:46**
